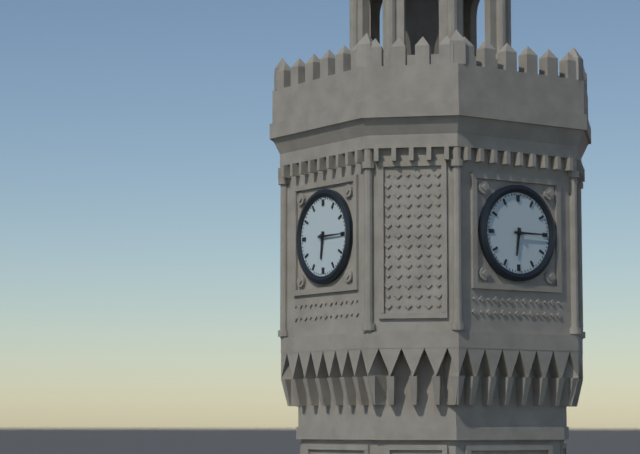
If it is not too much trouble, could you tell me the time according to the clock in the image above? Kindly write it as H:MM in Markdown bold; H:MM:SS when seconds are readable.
**6:15**
